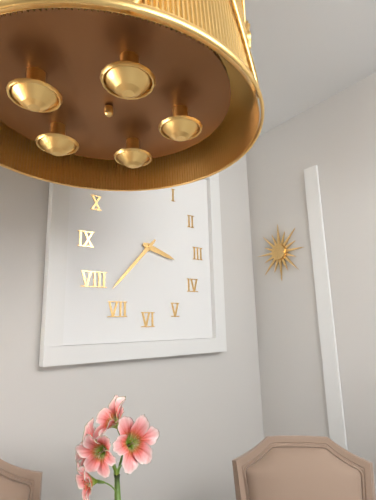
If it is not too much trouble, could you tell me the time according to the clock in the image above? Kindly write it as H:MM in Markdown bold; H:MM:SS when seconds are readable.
**3:37**
